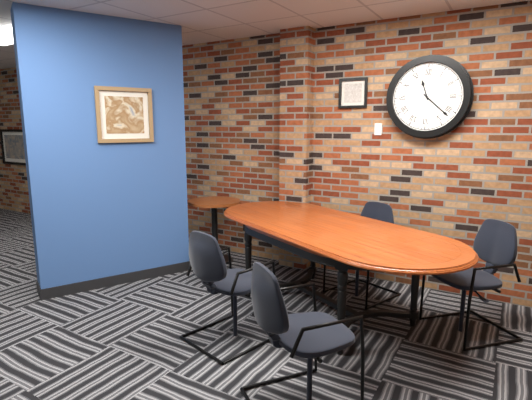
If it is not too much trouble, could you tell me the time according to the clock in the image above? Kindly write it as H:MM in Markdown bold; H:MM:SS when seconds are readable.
**11:22**
